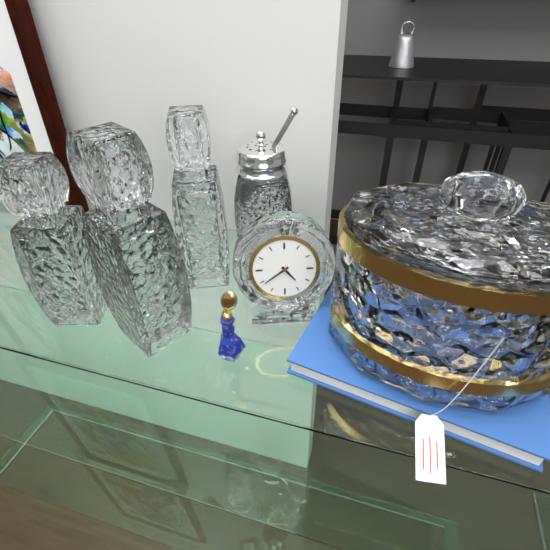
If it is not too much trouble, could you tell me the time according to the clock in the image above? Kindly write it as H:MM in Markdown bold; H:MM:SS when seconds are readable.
**4:39**
